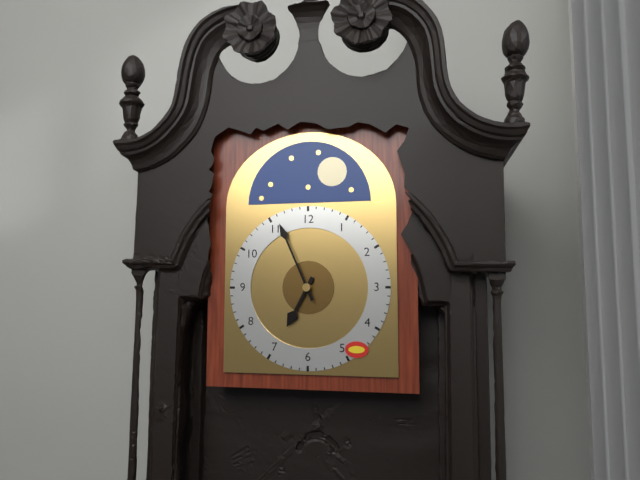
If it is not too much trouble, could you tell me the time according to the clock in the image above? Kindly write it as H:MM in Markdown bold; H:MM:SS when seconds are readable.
**6:56**
